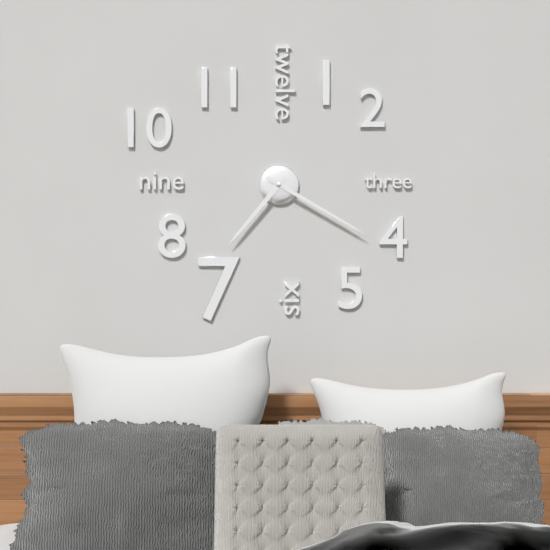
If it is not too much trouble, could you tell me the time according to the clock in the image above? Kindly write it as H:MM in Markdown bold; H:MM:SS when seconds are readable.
**7:20**
